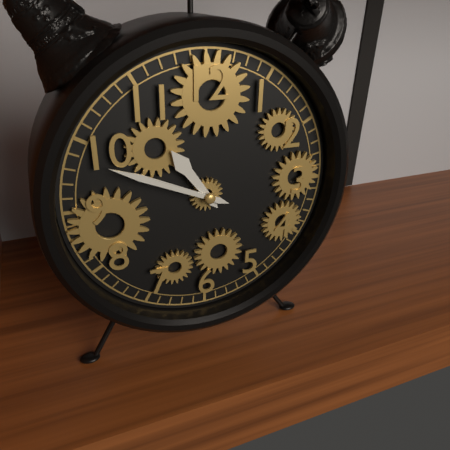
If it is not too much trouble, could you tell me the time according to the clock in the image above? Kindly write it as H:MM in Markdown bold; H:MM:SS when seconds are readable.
**10:49**
